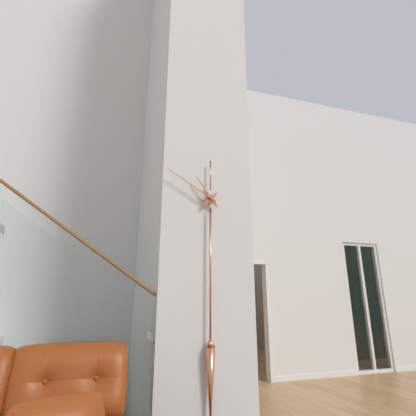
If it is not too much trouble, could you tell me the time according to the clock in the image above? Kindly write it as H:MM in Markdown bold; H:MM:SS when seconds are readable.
**10:50**
